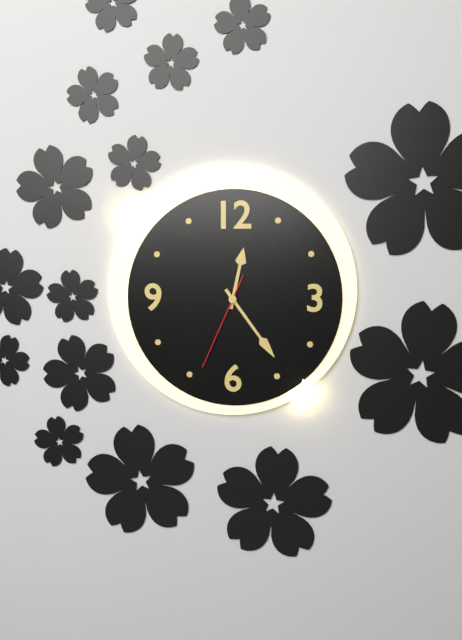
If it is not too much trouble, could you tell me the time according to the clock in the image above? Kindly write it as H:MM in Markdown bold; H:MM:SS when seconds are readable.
**12:24:34**
